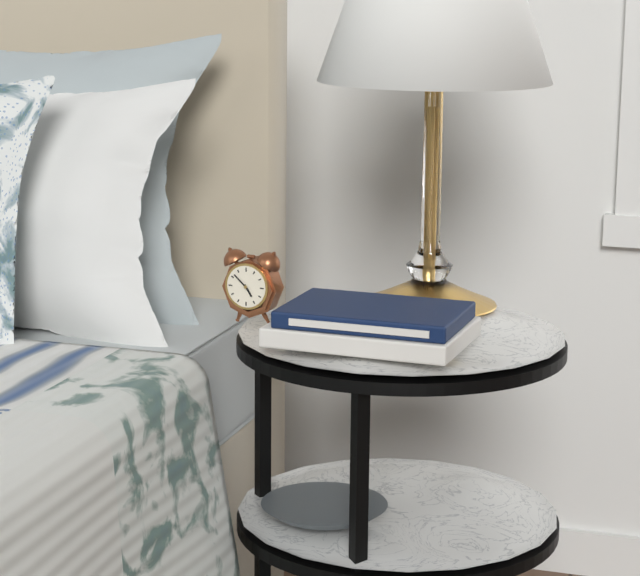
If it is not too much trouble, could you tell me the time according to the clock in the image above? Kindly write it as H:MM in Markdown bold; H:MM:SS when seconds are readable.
**4:52**
